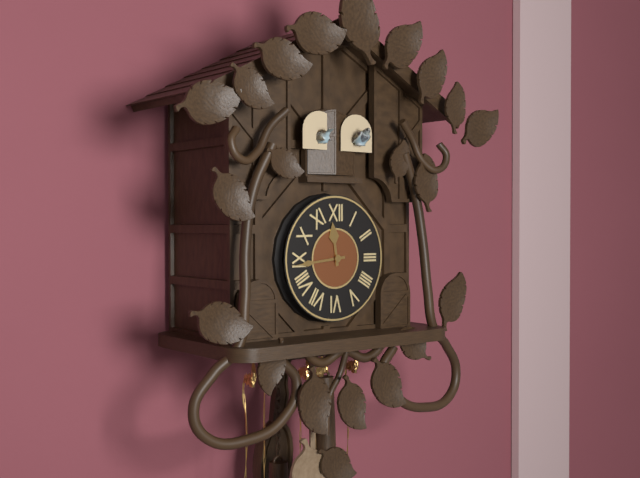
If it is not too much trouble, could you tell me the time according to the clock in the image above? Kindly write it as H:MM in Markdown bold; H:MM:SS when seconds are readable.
**11:44**
